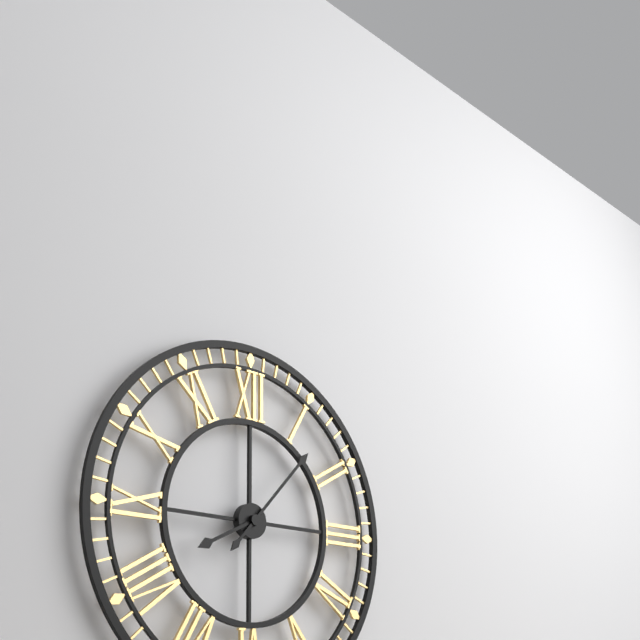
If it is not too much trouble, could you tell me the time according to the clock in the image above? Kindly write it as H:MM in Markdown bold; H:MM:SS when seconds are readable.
**8:07**
